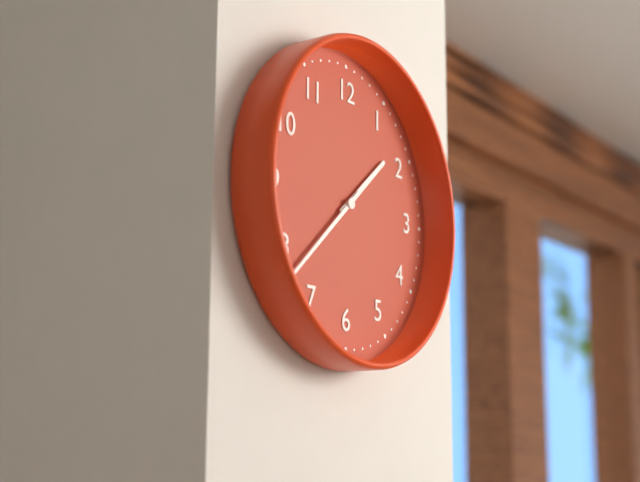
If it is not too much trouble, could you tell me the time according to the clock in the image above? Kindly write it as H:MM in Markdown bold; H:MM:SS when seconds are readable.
**1:38**
